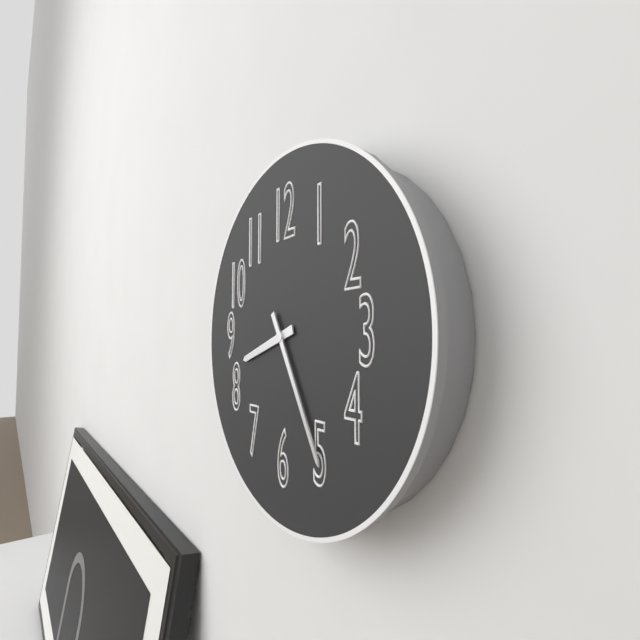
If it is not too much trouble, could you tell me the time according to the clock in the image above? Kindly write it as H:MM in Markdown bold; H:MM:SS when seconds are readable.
**8:25**
